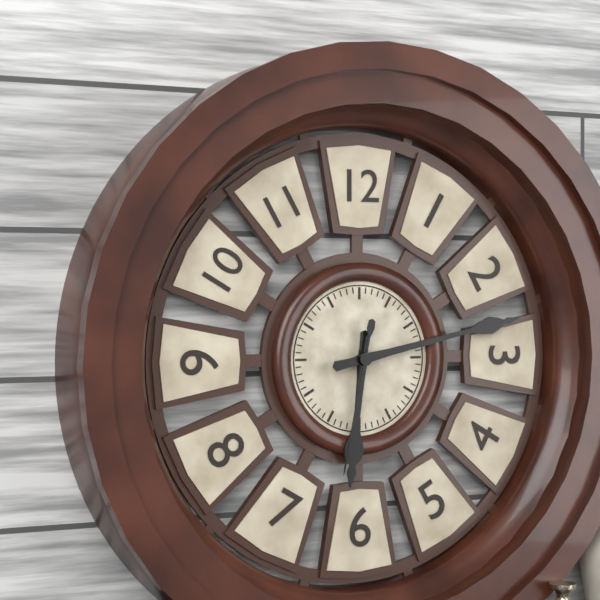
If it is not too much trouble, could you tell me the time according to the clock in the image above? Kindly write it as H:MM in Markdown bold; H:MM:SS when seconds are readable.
**6:13:32**
